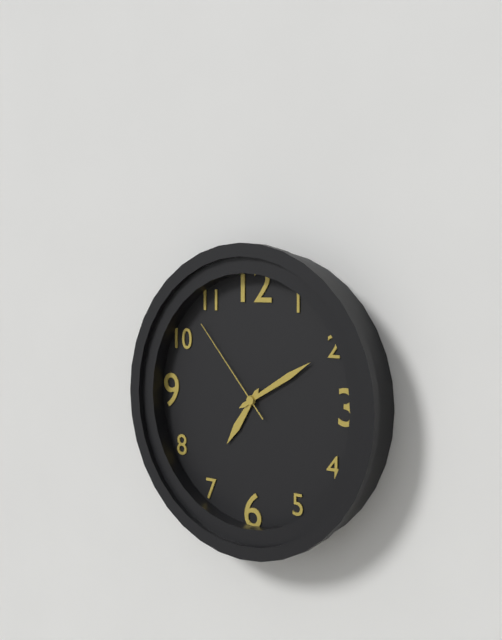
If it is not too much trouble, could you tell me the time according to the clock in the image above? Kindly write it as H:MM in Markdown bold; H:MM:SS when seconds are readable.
**7:10:53**
